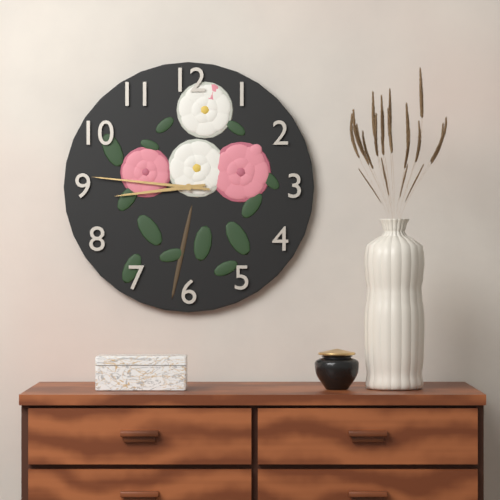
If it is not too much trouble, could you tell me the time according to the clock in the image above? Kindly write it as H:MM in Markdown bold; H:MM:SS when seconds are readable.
**8:46**
